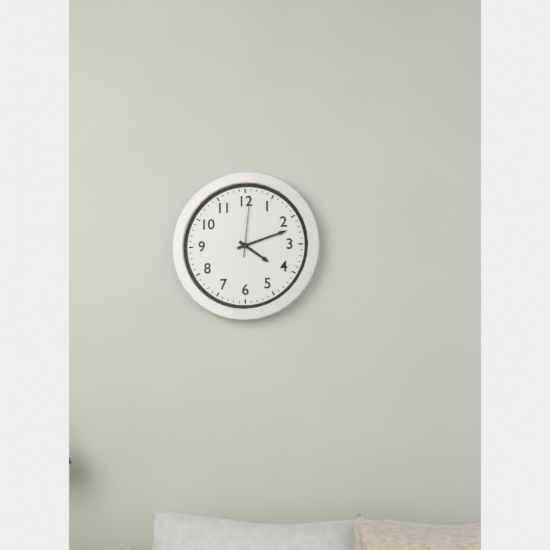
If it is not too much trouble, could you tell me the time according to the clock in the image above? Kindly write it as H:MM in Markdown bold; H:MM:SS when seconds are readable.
**4:12:01**
